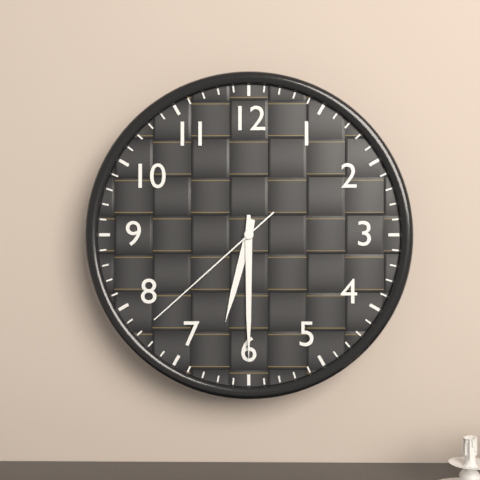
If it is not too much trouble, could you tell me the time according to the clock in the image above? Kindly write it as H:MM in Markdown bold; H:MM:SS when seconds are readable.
**6:30:38**
